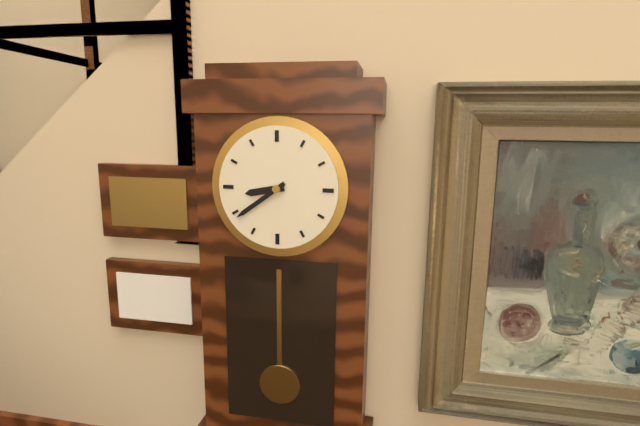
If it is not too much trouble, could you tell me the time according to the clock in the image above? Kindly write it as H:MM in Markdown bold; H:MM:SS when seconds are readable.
**8:39**
